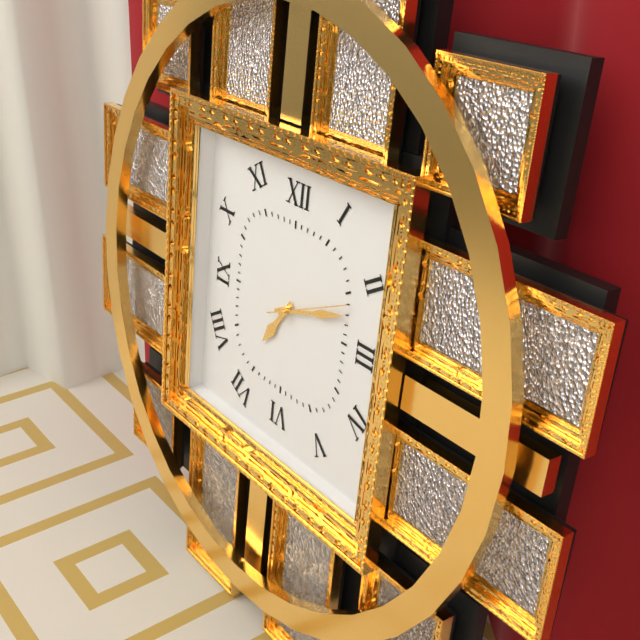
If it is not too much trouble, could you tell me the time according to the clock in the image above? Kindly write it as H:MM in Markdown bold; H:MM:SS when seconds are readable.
**7:12:11**
